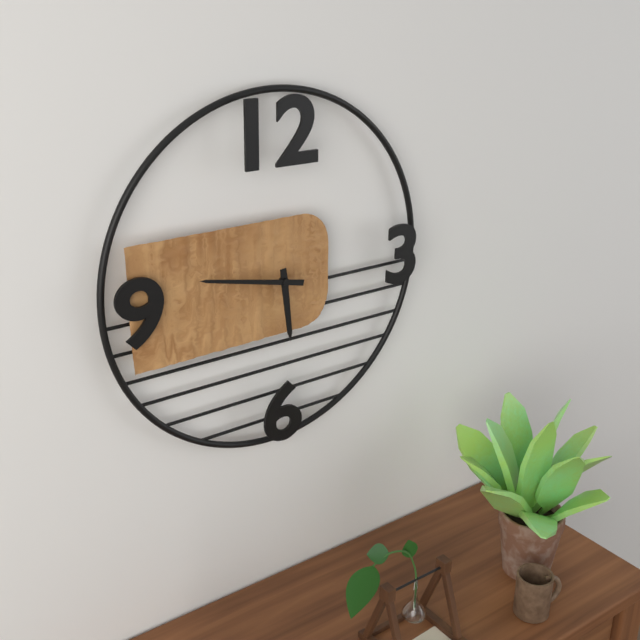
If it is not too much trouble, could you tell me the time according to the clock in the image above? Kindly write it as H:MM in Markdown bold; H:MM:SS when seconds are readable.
**5:47**
